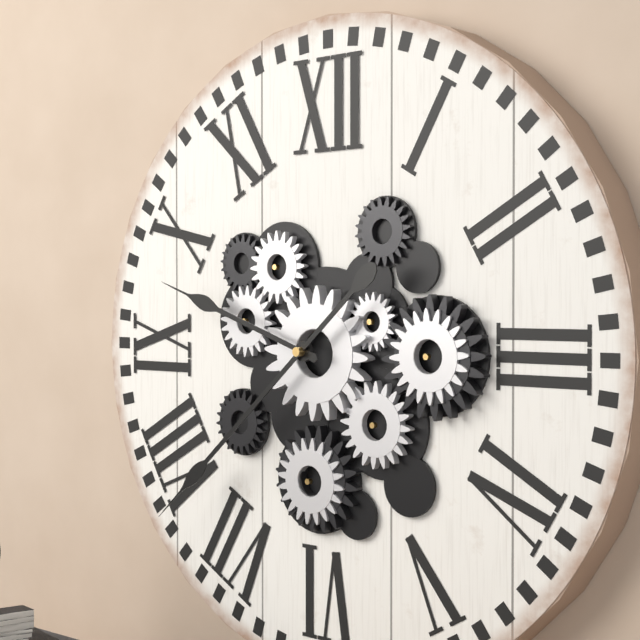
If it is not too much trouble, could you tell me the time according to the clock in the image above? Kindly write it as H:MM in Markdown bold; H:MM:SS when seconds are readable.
**9:38**
